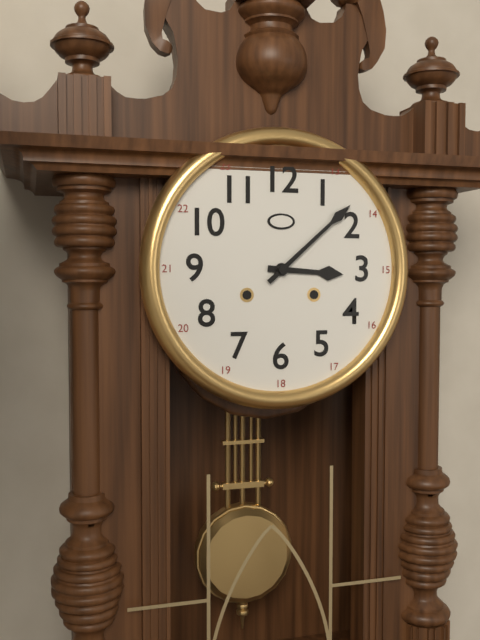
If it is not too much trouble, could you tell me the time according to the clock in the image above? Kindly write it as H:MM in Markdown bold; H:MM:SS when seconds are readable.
**3:08**
